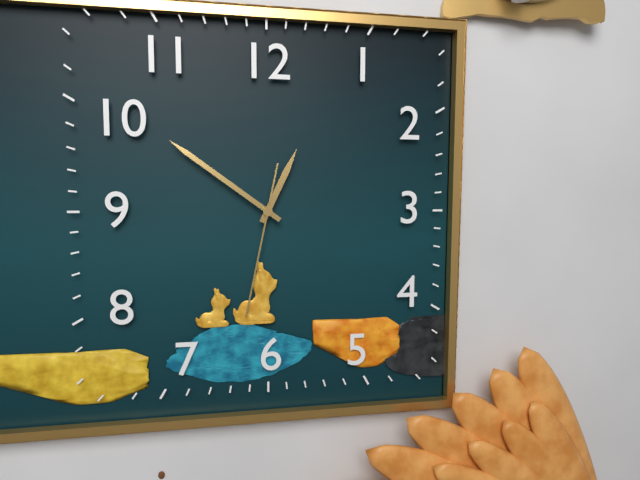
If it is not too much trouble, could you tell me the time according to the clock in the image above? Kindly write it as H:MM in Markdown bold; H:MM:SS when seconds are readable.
**12:51:32**
